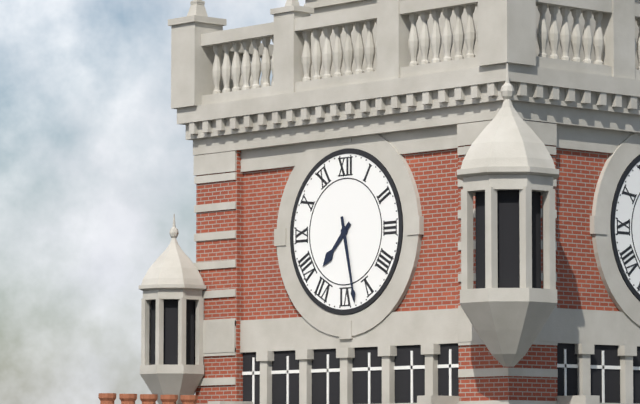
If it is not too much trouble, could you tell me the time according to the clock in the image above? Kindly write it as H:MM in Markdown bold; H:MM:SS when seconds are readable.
**7:28**
